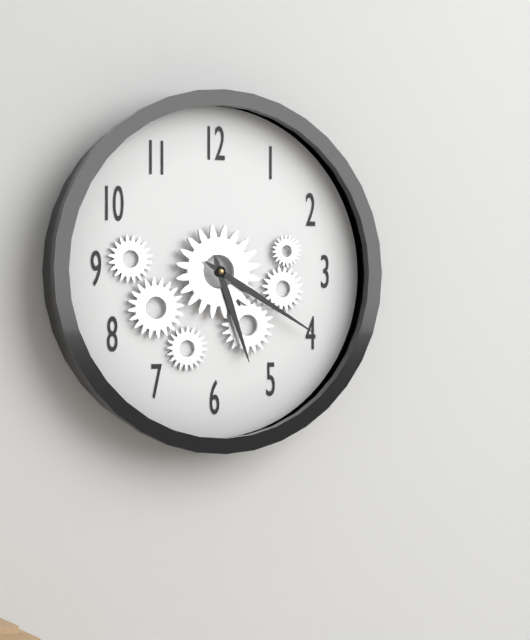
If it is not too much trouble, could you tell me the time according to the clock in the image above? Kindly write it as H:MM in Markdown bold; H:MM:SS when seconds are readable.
**5:20**
